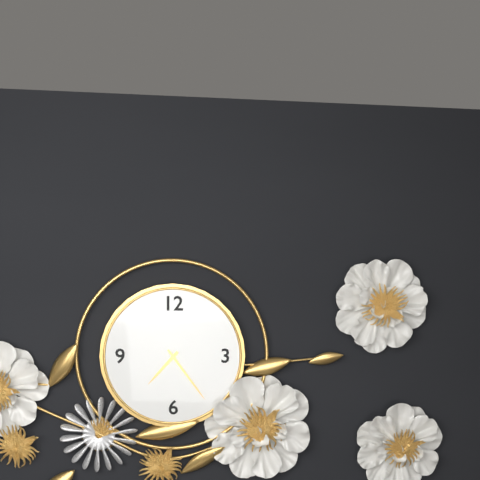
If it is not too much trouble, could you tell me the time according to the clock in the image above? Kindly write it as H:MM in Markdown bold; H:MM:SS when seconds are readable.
**7:24**
